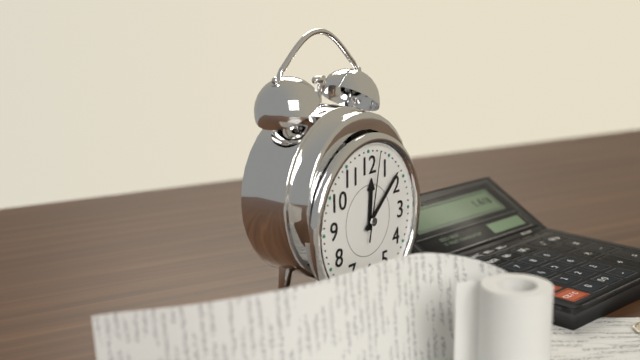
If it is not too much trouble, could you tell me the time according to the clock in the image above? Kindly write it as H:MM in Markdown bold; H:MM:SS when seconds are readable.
**12:08:02**
